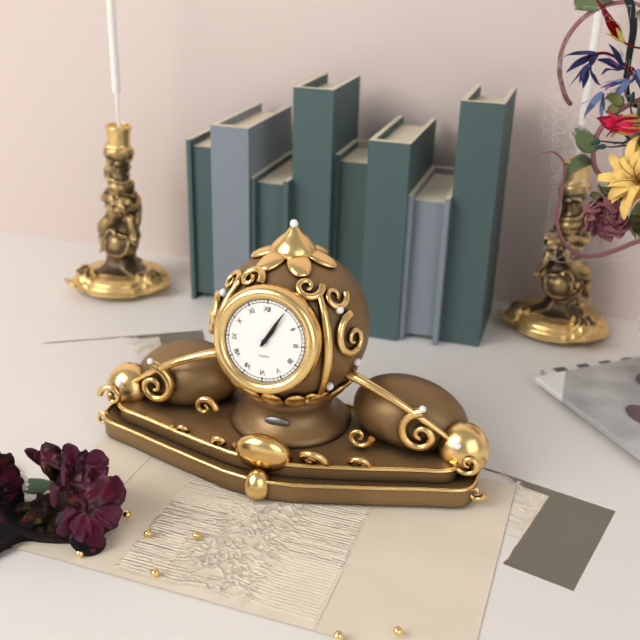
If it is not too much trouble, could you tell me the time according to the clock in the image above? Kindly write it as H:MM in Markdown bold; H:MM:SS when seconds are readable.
**1:05**
